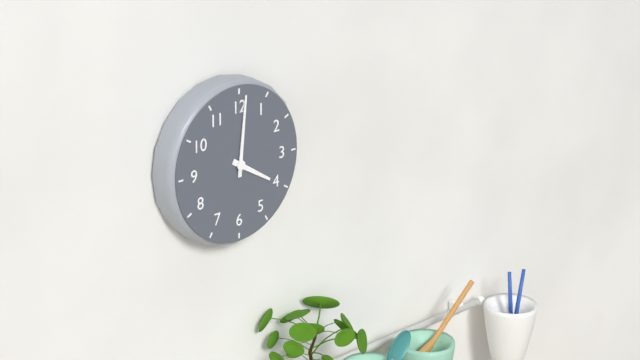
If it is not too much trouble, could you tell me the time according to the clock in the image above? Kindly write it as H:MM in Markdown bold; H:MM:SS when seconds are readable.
**4:01**
